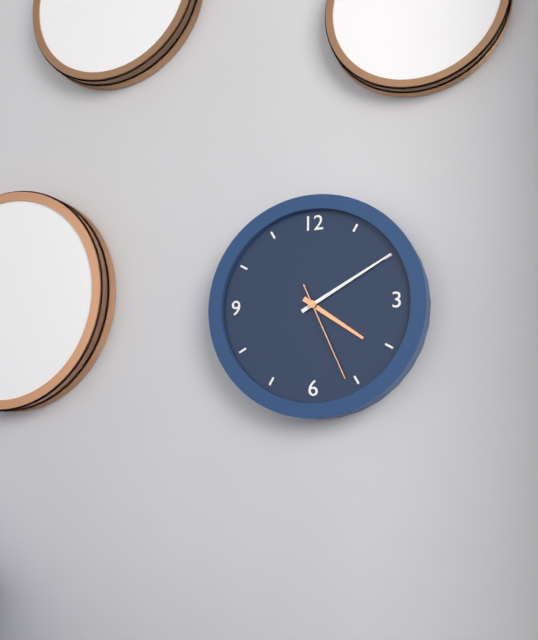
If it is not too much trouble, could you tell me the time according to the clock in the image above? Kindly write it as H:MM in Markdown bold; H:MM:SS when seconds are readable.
**4:10:26**
